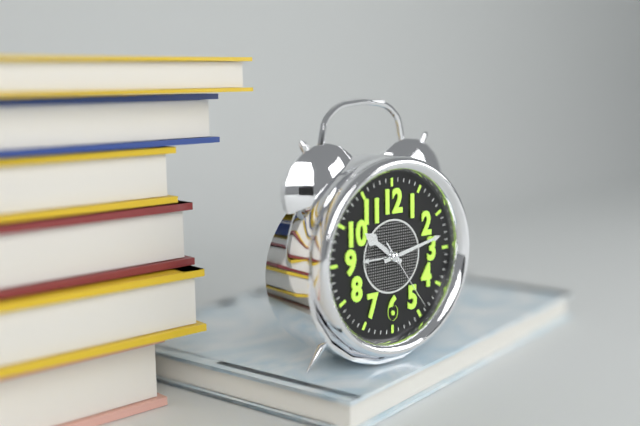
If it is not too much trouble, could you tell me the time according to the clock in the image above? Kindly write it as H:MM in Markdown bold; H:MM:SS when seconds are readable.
**10:13:24**
